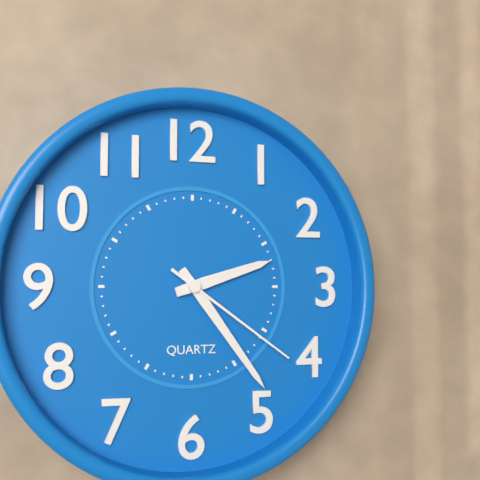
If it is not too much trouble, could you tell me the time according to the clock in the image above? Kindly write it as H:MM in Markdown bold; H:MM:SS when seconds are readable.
**2:24:21**
